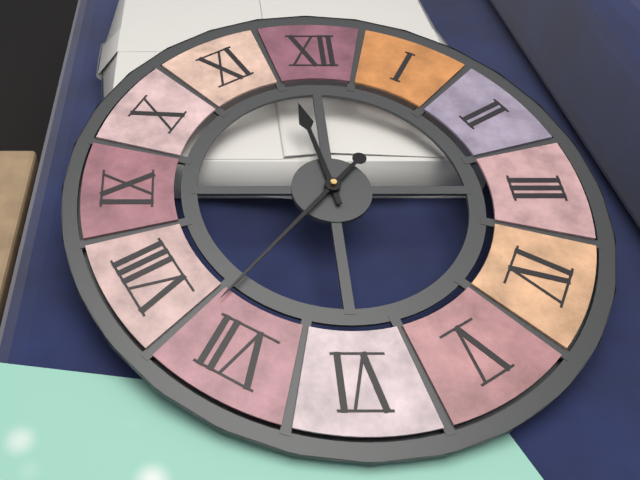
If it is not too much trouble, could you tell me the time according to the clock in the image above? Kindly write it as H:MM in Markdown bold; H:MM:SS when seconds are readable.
**11:37**
